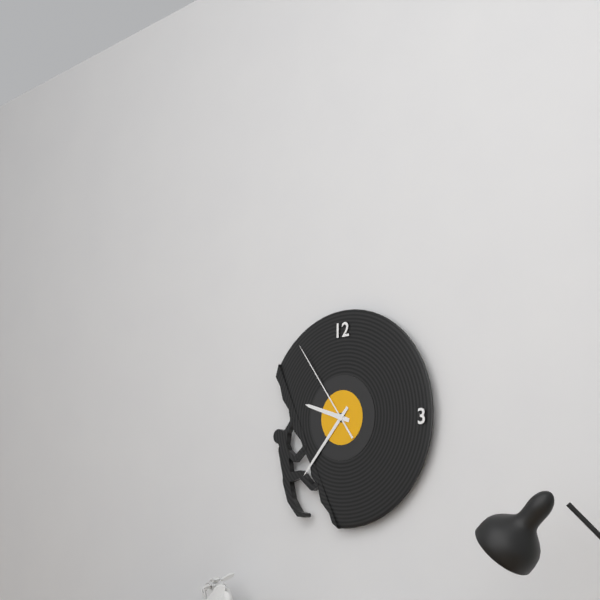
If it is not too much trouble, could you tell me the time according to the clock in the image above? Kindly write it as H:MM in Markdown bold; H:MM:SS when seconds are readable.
**9:37:54**
